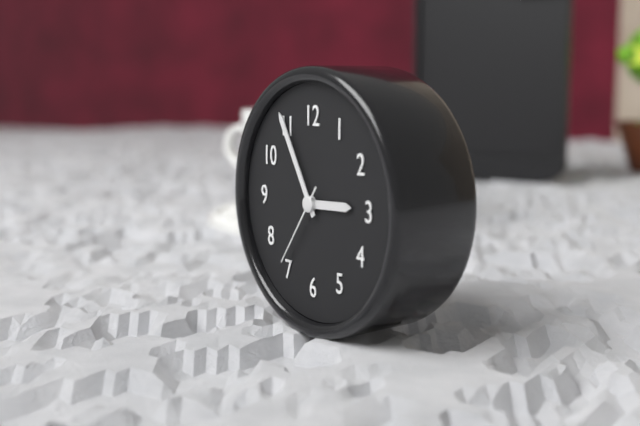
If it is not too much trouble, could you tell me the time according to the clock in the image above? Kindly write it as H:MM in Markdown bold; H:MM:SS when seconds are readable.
**2:55:36**
